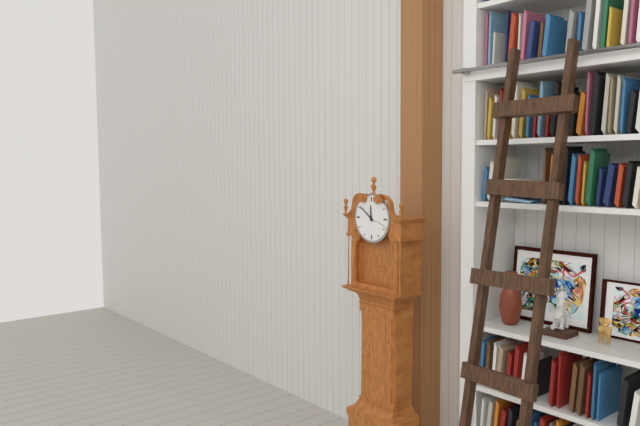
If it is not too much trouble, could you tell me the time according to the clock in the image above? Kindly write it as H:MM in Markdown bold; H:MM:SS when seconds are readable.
**11:51**
